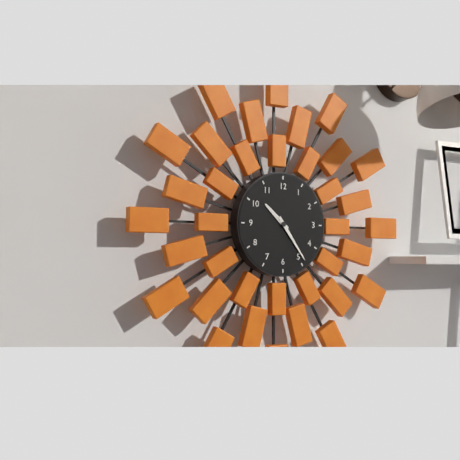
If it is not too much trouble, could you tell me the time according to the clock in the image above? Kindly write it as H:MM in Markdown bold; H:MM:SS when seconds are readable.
**10:24**
